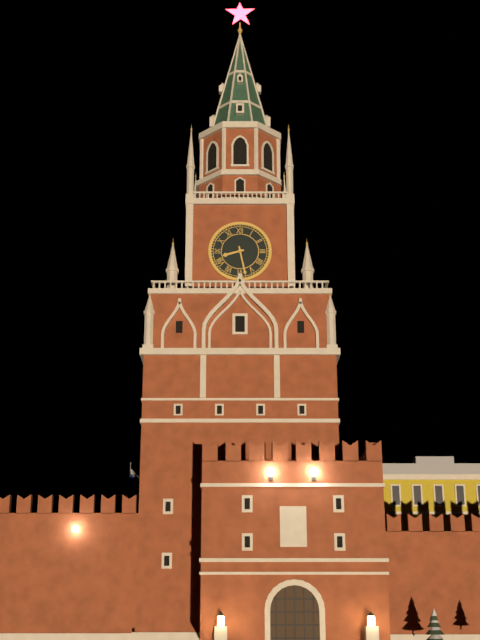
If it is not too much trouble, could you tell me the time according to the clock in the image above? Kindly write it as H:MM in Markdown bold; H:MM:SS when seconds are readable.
**8:28**
